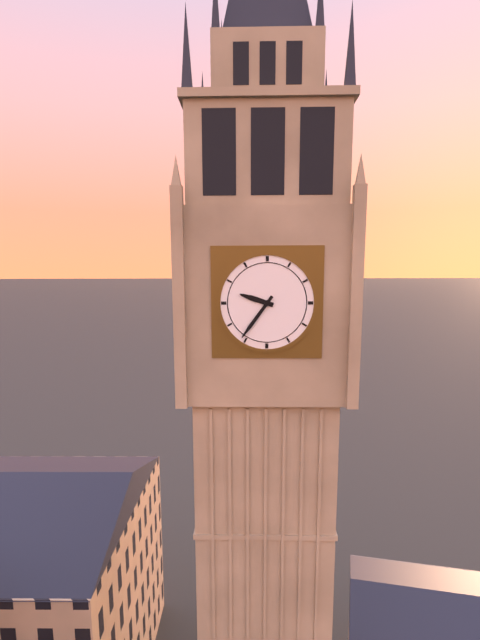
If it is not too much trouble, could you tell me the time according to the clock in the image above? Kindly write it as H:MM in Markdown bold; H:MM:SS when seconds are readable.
**9:36**
